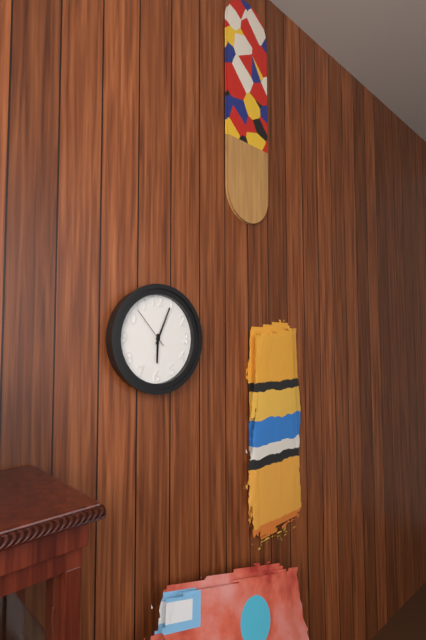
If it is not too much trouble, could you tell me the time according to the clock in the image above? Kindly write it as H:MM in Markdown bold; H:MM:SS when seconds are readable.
**6:04**
